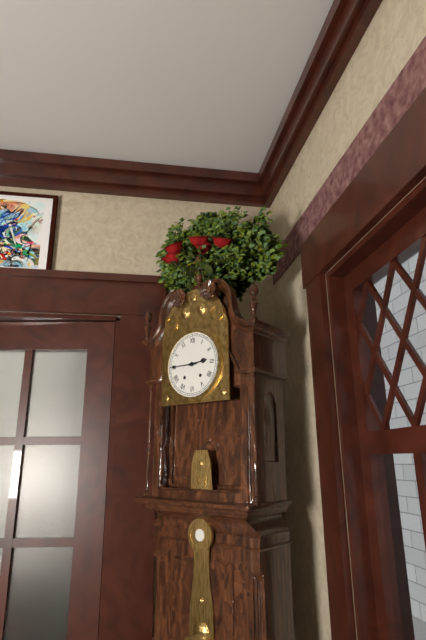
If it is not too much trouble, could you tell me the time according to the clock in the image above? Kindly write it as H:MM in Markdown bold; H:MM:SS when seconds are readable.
**2:45**
